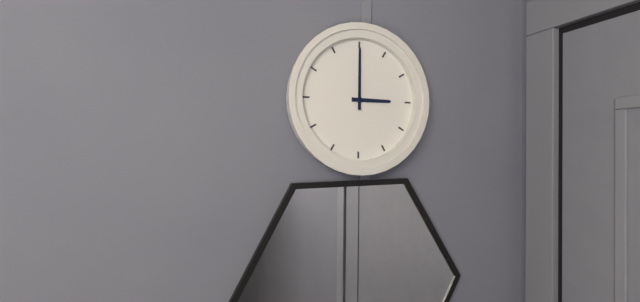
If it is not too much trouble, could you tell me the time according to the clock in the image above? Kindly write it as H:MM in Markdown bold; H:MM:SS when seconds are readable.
**3:00**
